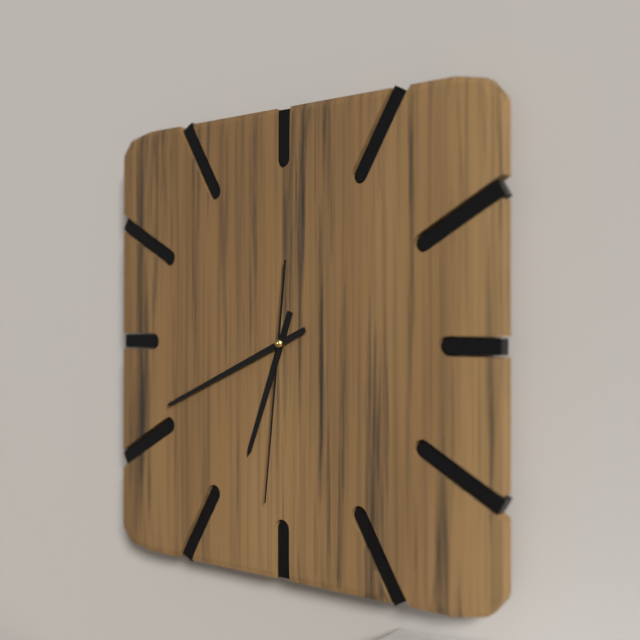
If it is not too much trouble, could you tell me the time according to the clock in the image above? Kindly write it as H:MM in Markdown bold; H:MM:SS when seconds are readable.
**6:41:31**
